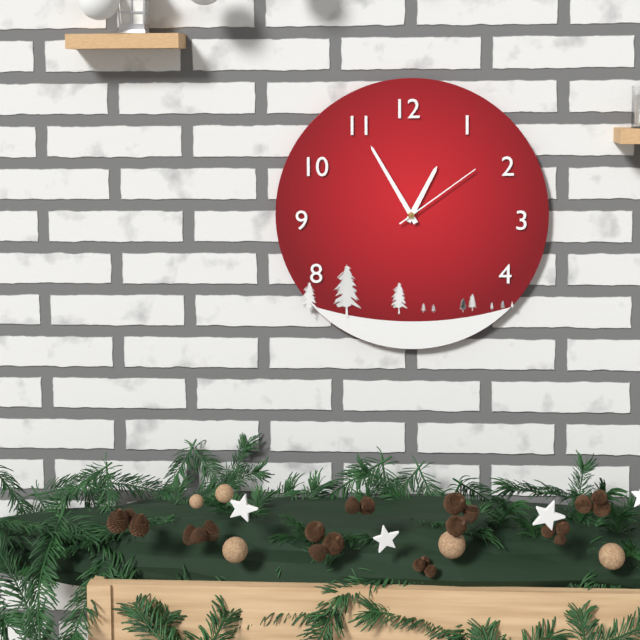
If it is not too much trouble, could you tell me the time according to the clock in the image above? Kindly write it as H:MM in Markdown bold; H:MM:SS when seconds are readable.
**12:55:09**
